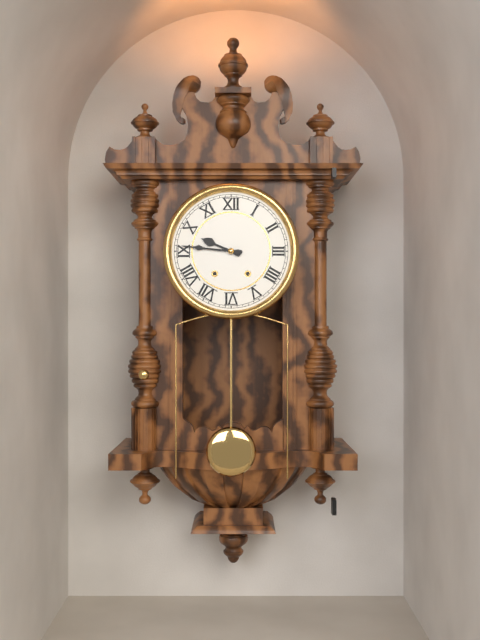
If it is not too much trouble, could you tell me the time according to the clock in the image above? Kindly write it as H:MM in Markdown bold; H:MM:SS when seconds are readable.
**9:46**
